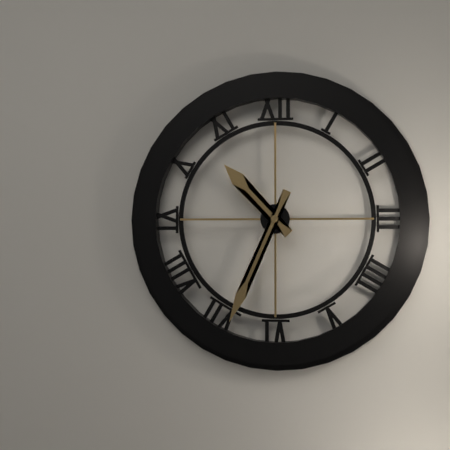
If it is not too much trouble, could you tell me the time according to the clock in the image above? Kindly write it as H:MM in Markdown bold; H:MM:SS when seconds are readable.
**10:34**
